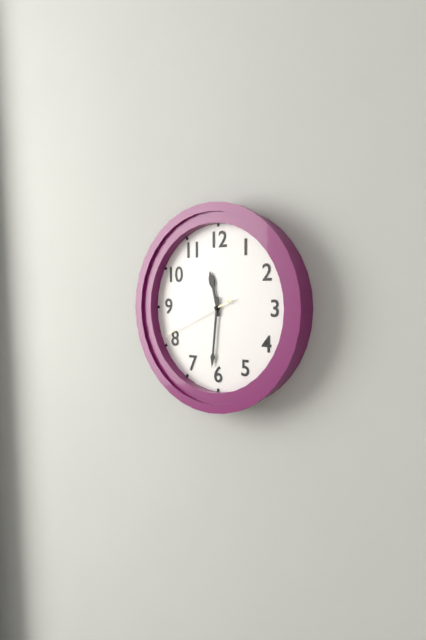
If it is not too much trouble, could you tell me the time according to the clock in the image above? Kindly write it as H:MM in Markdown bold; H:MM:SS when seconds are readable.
**11:31:41**
